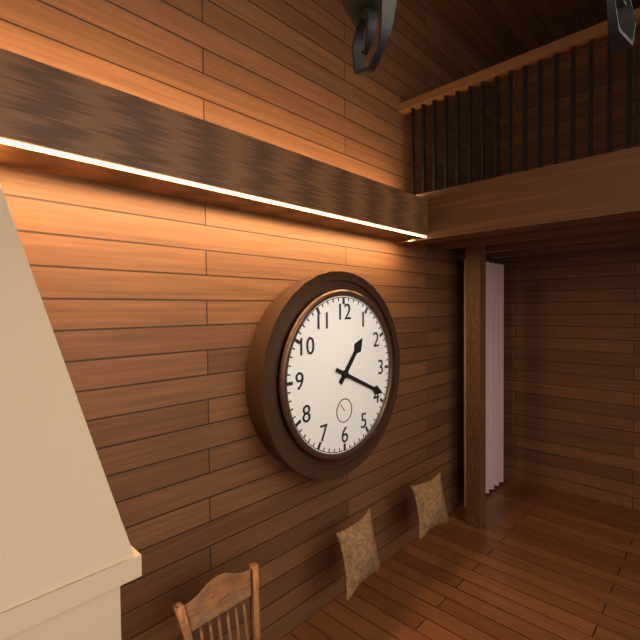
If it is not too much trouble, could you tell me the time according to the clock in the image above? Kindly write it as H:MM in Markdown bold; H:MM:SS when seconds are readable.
**1:19**
